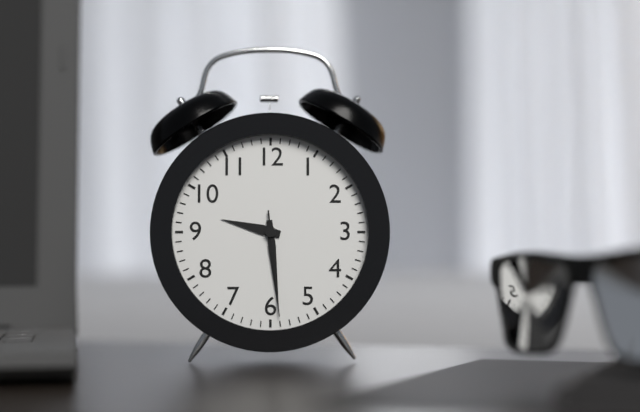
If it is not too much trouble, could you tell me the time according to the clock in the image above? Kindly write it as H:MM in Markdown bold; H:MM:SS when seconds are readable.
**9:29:29**
